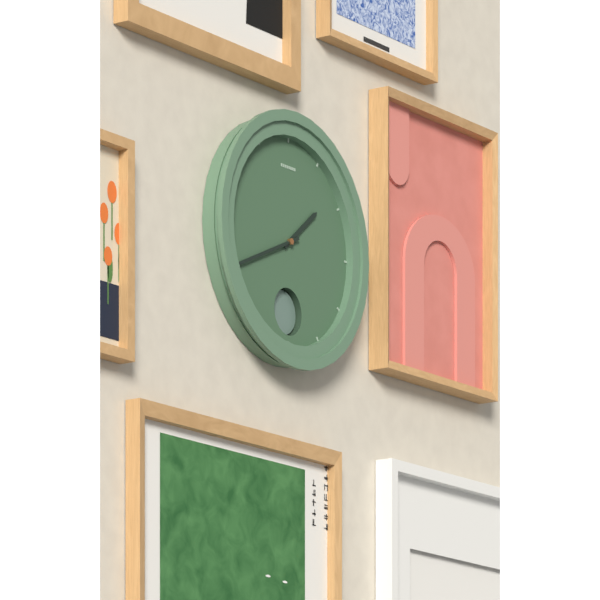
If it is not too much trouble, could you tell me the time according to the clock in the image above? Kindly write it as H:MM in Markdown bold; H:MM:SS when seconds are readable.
**1:41**
